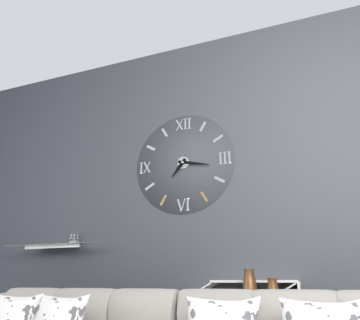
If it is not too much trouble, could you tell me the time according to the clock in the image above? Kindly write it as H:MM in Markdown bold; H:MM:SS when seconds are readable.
**7:17**
